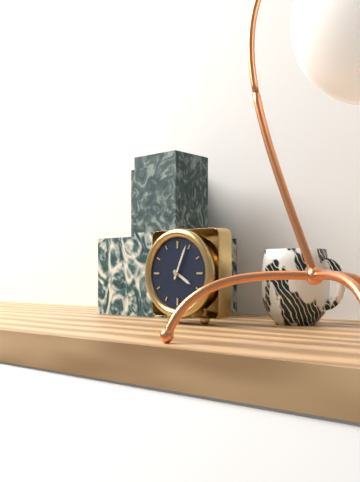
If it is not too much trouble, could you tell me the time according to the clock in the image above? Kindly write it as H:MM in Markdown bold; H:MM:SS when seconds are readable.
**4:04**
